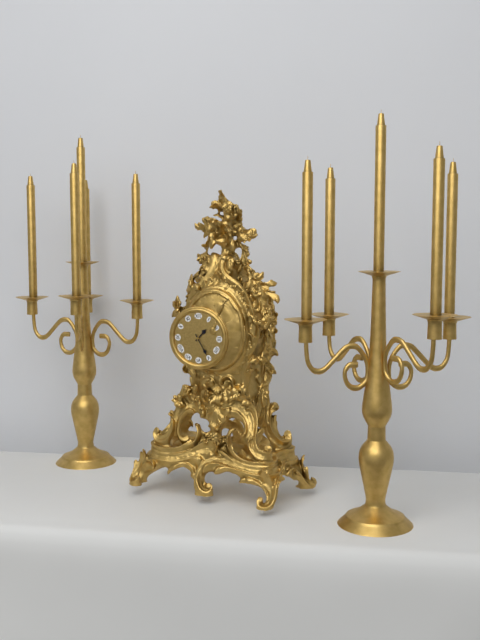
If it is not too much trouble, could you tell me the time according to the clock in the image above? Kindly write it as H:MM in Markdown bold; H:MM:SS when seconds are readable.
**1:25**
